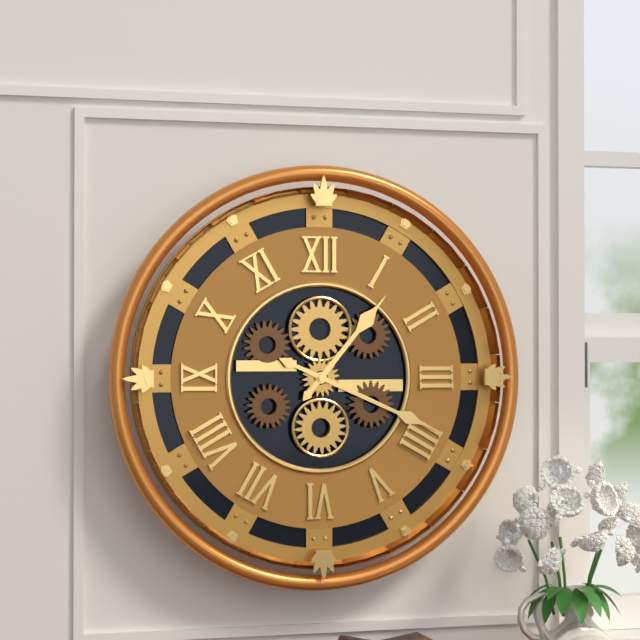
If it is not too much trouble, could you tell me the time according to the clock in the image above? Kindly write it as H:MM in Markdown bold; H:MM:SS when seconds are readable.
**1:19**
